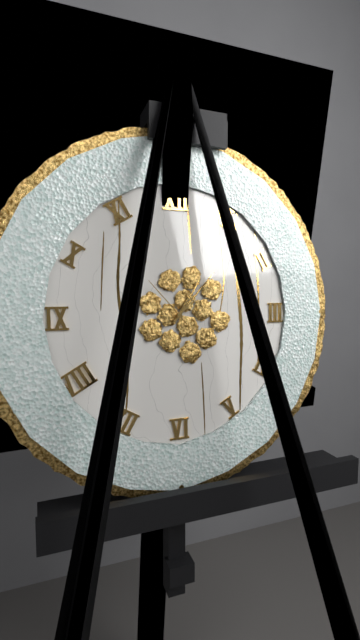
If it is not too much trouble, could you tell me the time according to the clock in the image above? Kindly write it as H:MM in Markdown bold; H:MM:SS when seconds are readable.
**1:07:53**
